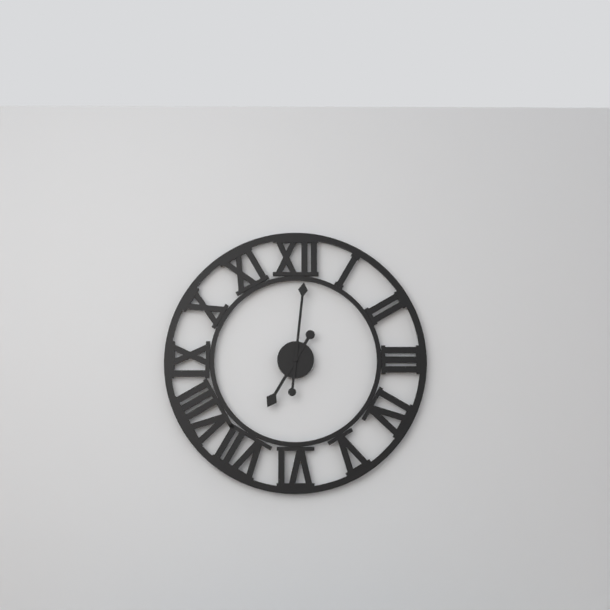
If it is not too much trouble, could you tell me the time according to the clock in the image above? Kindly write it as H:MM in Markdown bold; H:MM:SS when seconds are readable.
**7:01**
